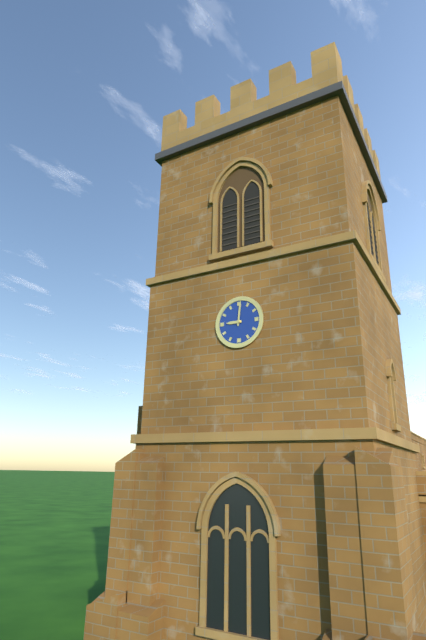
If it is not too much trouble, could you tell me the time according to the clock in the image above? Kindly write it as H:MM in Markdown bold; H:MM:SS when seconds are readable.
**9:01**
